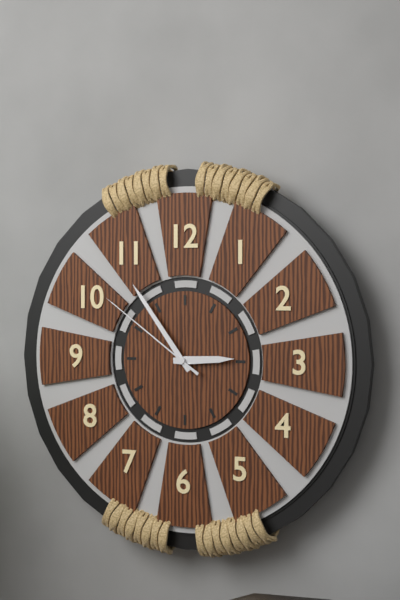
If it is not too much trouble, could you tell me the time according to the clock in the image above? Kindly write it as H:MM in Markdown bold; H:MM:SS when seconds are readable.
**2:54:51**
